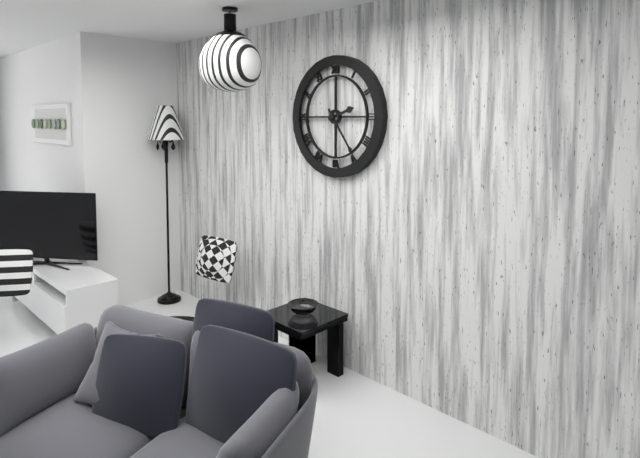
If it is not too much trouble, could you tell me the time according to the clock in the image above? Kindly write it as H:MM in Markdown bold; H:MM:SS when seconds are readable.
**2:24**
